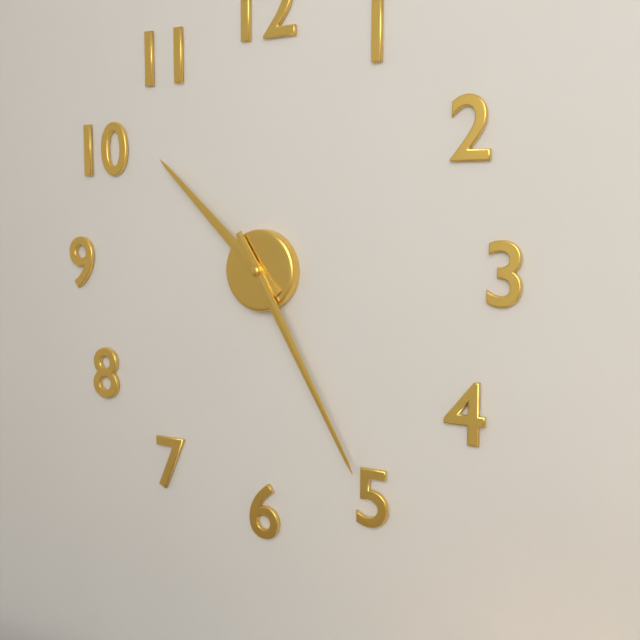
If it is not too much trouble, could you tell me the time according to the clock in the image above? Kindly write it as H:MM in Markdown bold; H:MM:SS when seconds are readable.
**10:25**
